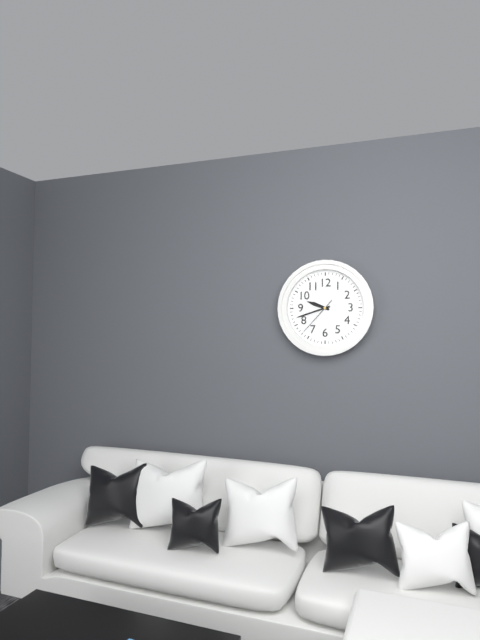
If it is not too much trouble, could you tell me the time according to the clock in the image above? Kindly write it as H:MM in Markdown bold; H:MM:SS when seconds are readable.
**9:42**
